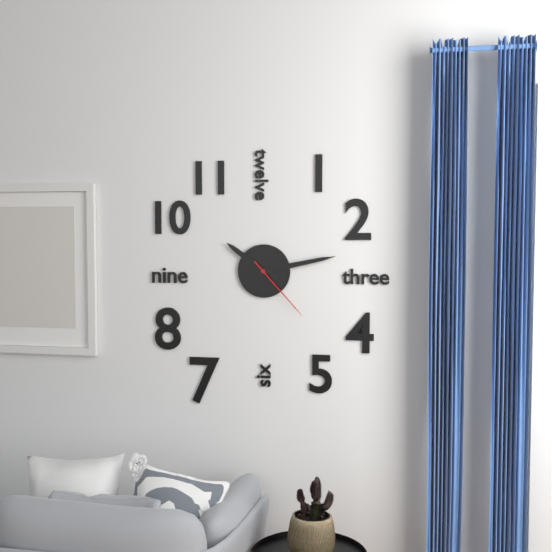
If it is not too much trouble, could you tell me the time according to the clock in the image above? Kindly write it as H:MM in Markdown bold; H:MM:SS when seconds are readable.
**10:13:23**
